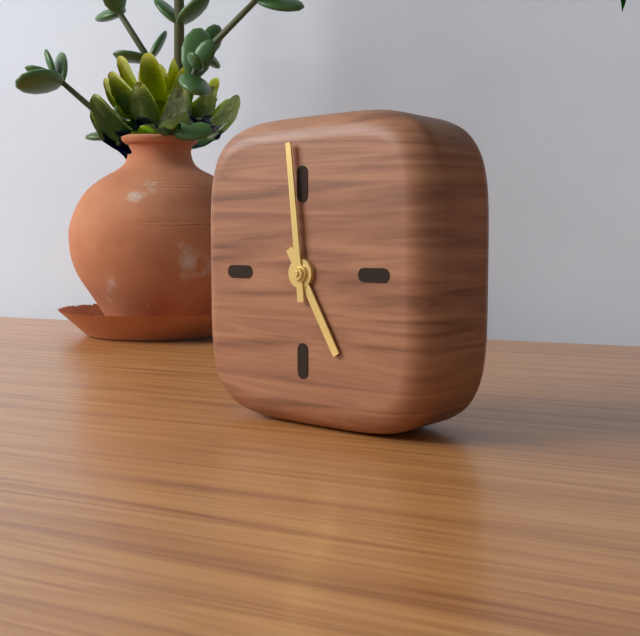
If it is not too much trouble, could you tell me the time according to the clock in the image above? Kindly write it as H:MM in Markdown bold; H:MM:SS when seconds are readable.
**4:59**
